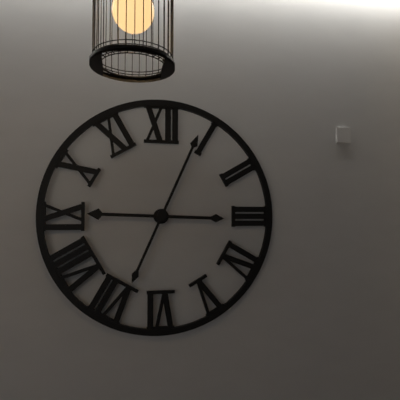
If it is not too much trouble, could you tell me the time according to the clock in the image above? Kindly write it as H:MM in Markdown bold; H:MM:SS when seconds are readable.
**9:04**
